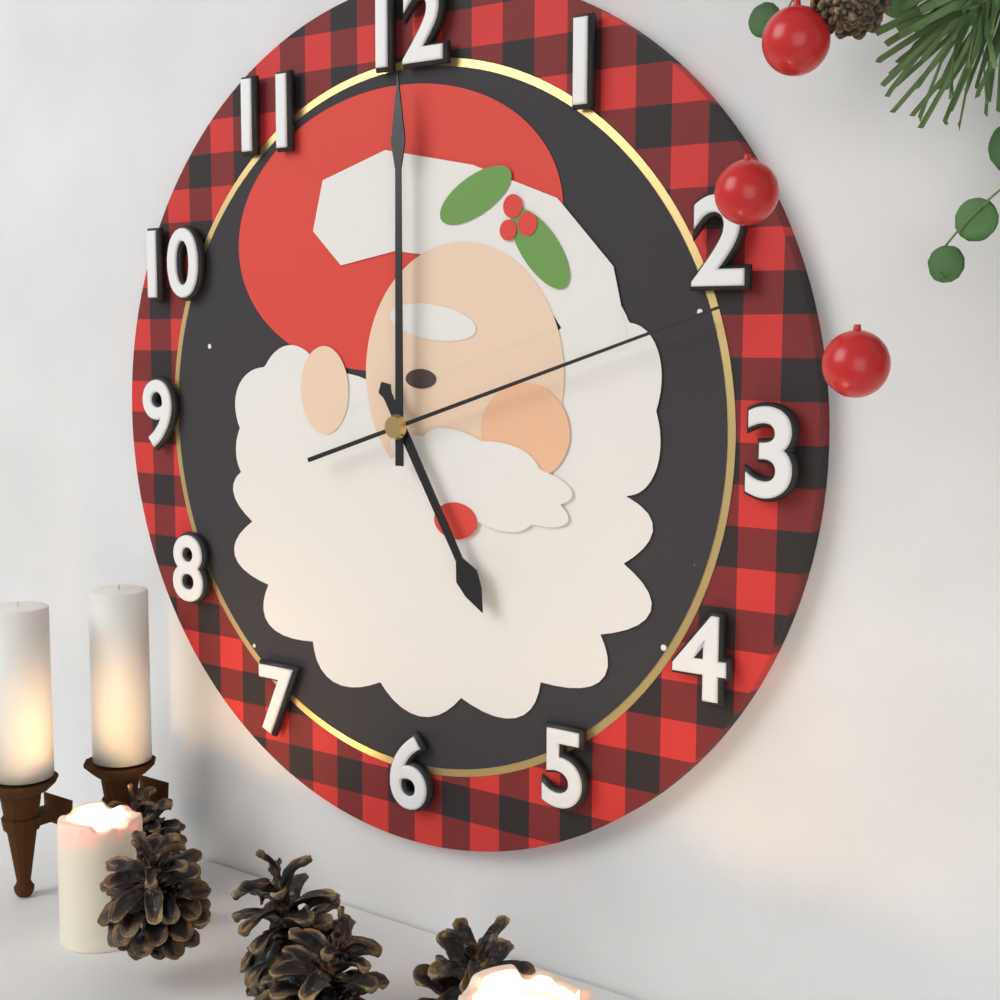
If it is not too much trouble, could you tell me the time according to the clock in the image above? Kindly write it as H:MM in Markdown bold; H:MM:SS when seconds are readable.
**5:00:12**
